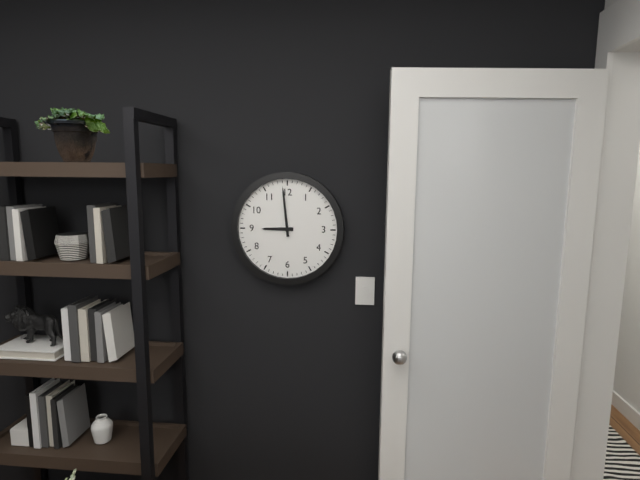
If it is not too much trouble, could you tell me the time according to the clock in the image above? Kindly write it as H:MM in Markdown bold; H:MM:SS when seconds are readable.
**8:59**
